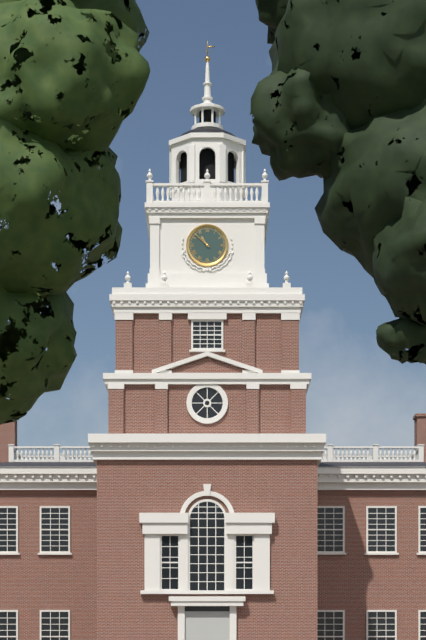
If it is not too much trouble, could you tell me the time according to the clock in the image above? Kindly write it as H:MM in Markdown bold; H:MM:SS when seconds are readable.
**10:52**
